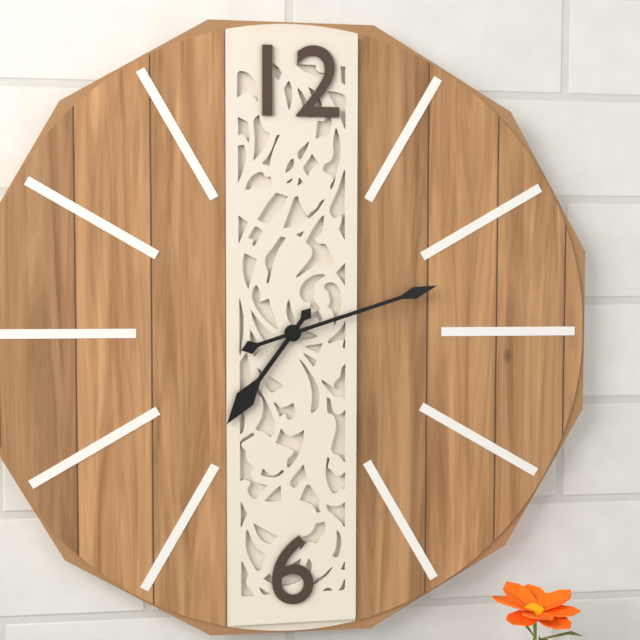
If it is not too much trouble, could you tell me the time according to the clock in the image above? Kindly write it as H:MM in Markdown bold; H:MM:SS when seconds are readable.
**7:12**
